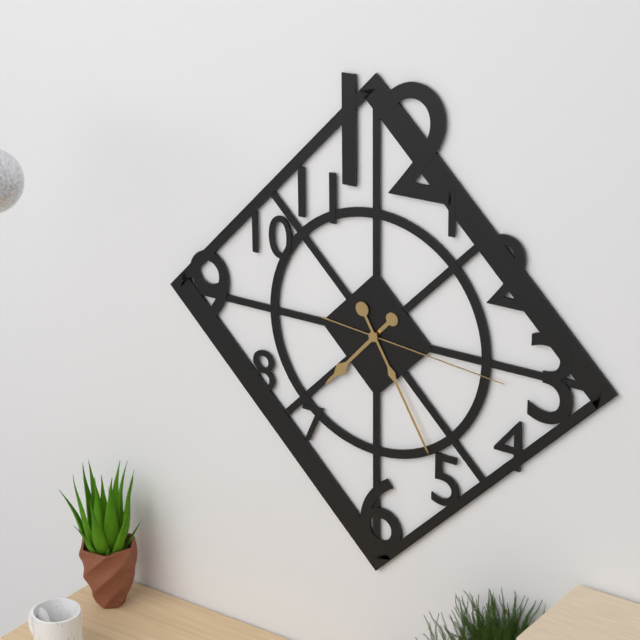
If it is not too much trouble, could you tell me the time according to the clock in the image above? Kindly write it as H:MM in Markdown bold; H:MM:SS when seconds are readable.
**7:25:16**
